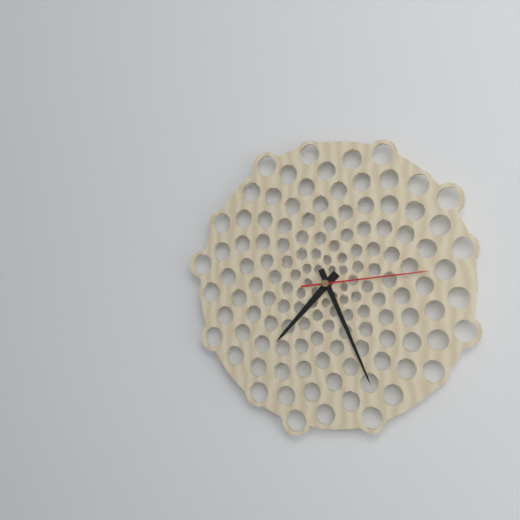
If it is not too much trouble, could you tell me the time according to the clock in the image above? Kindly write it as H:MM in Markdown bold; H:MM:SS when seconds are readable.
**7:26:14**
